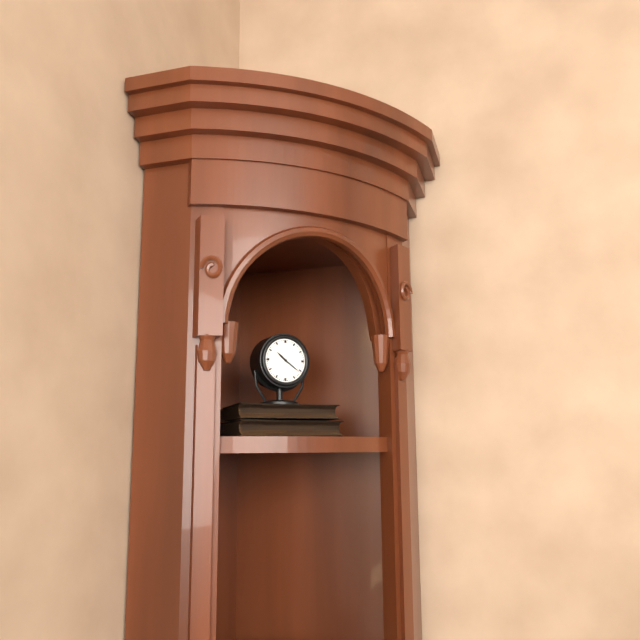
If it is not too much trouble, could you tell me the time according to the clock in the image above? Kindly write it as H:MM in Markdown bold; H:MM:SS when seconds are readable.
**10:21**
